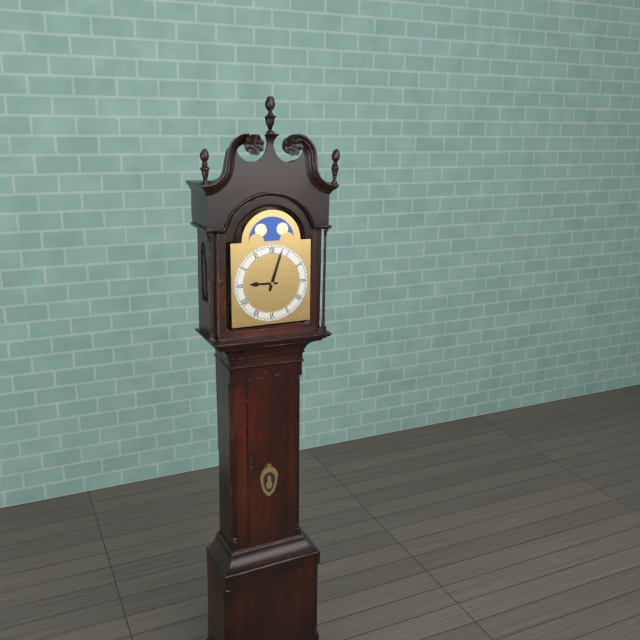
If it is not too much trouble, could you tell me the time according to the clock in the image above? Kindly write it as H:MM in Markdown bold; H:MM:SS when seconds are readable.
**9:03**
